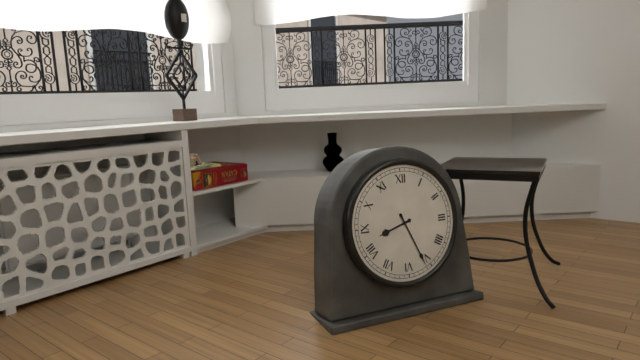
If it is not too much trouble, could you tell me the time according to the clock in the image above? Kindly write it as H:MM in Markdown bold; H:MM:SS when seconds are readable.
**8:26**
